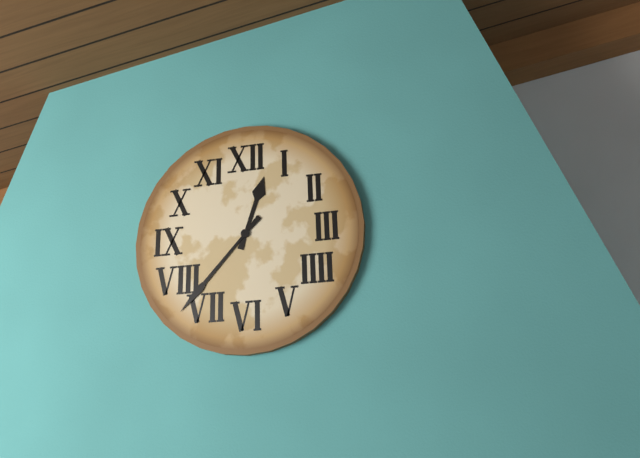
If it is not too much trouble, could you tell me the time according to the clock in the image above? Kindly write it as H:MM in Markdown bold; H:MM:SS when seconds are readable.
**12:37**
